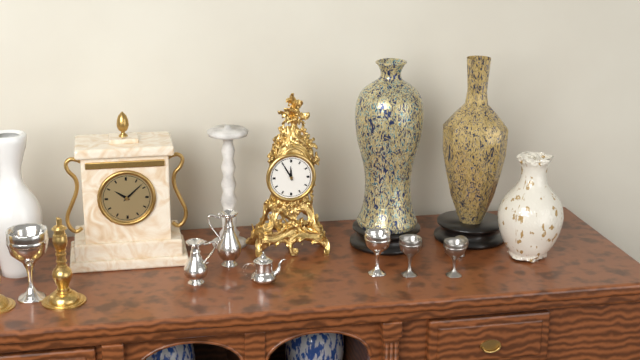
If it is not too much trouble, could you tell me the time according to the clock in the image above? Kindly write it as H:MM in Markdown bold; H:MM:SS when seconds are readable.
**11:55**
